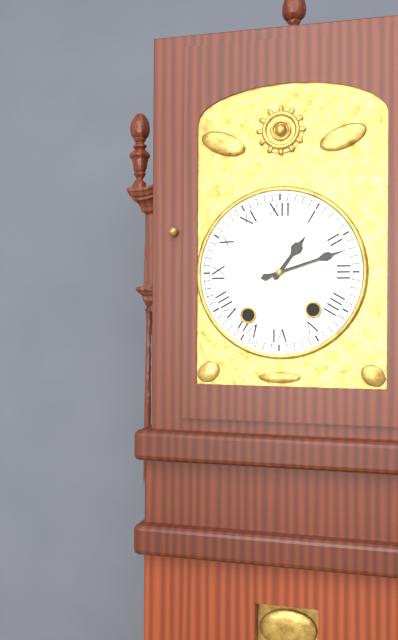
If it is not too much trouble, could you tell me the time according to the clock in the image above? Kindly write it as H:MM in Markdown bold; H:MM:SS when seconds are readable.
**1:12**
